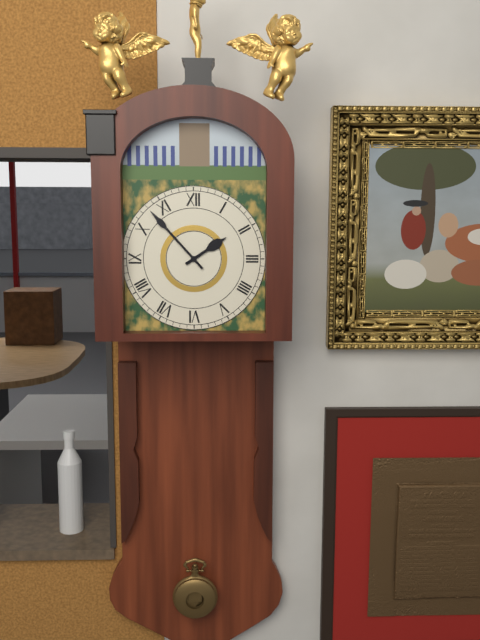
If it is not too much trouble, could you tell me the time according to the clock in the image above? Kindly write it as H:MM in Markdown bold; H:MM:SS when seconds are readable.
**1:53**
